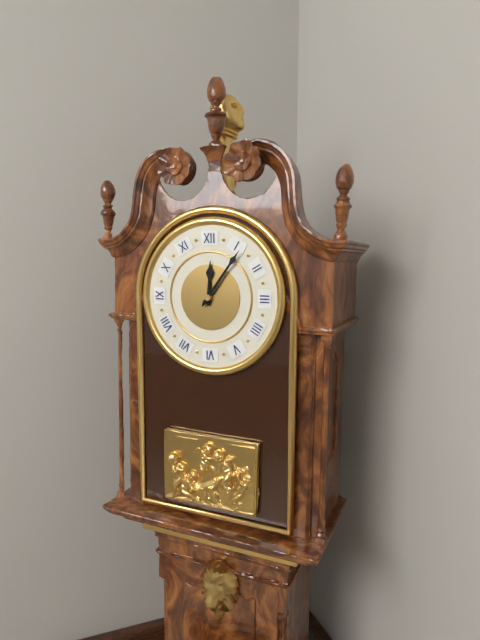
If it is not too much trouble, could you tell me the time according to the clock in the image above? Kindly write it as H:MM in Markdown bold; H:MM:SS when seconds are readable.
**12:06**
